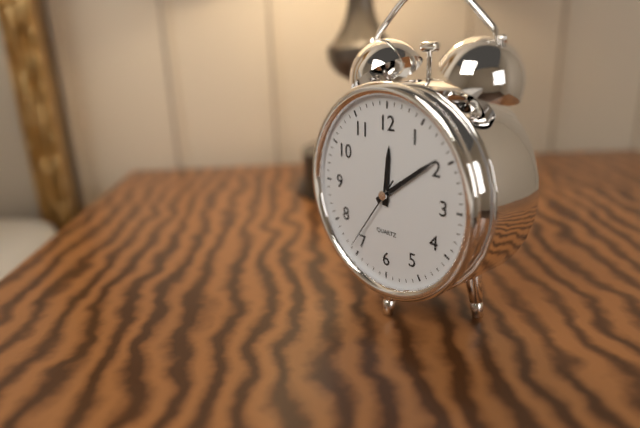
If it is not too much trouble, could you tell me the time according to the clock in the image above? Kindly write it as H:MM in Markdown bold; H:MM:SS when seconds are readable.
**12:09:36**
